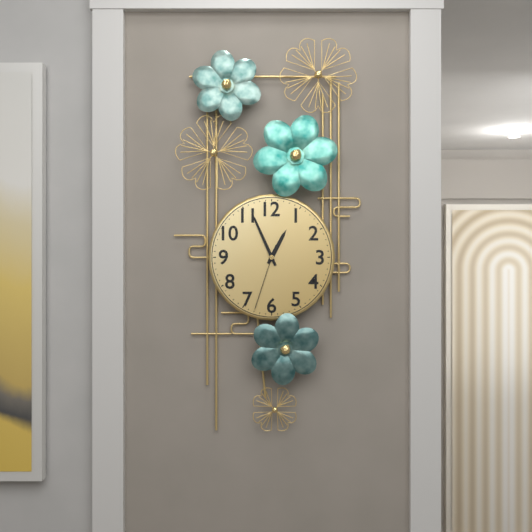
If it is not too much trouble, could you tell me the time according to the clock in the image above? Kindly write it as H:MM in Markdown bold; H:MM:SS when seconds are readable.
**12:56:33**
